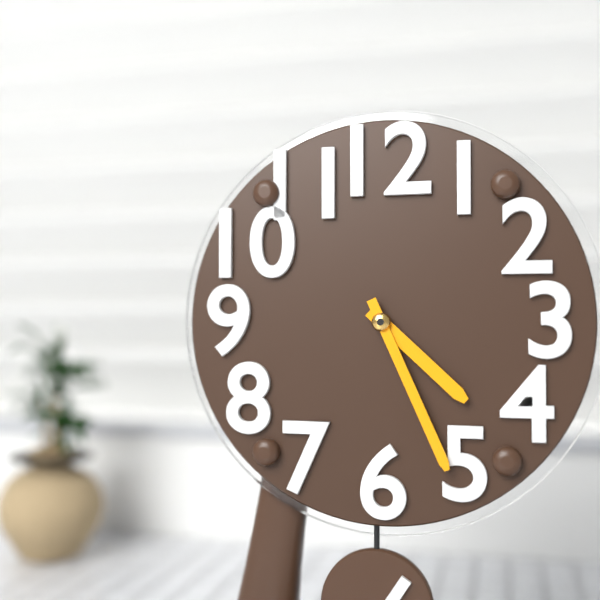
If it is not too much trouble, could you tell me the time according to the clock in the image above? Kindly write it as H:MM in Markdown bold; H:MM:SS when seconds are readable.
**4:26**
